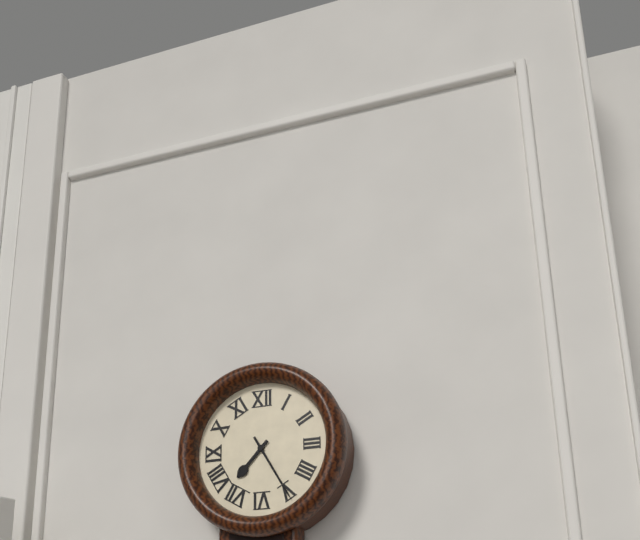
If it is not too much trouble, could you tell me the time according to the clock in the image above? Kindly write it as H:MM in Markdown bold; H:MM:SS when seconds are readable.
**7:25**
